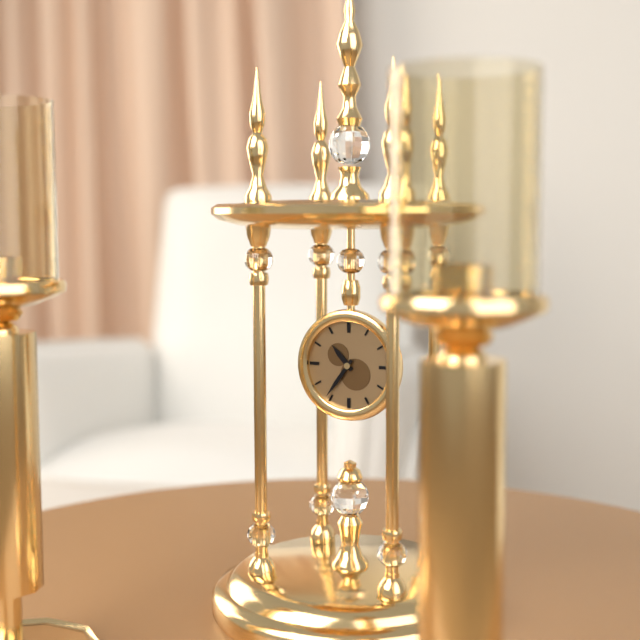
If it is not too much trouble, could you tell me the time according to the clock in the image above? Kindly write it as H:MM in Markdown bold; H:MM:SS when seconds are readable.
**10:36**
